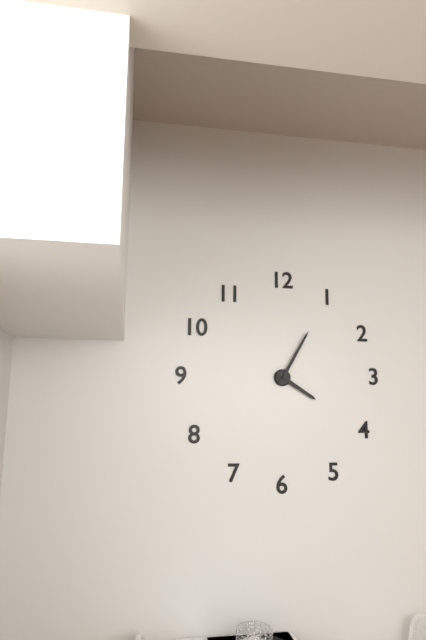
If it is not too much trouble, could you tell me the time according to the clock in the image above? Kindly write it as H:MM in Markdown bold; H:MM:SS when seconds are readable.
**4:05**
